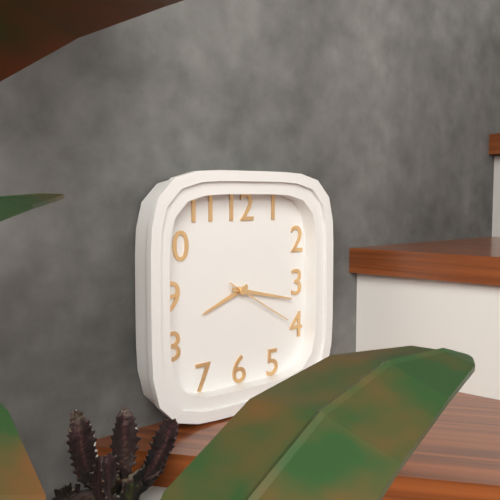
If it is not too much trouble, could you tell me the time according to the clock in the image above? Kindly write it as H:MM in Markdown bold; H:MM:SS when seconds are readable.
**8:17:20**
